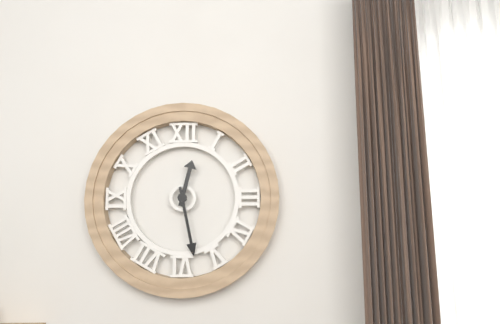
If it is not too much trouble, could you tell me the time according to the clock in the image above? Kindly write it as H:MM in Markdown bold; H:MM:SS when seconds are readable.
**12:28**
